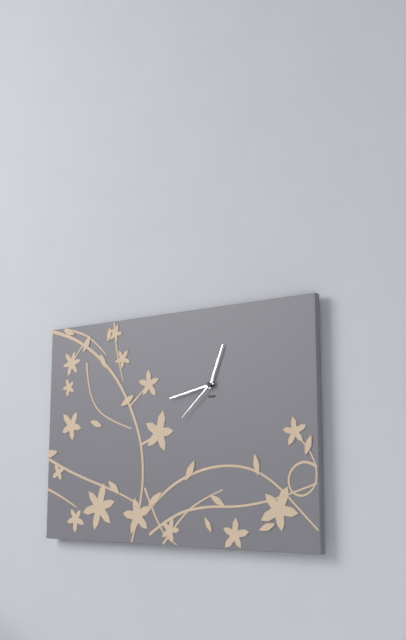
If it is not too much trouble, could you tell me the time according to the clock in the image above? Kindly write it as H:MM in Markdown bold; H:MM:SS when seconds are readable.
**12:43:38**
